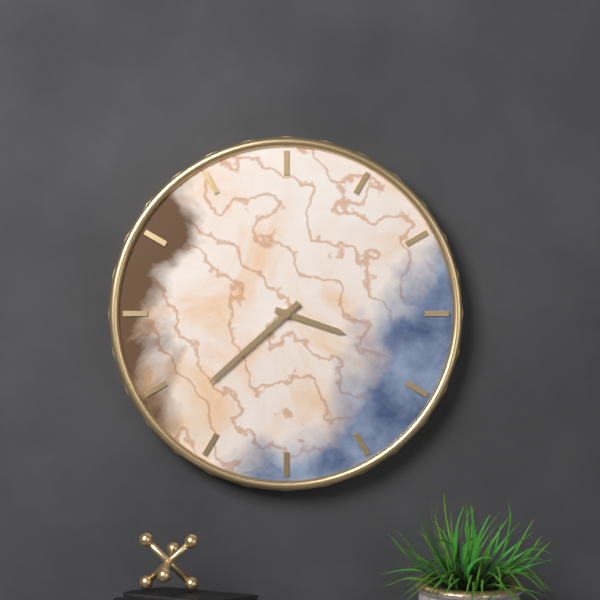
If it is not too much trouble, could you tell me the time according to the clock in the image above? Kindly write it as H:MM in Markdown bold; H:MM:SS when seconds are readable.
**3:38**
